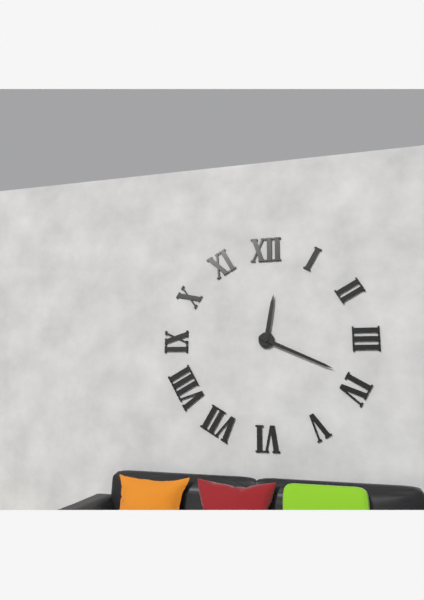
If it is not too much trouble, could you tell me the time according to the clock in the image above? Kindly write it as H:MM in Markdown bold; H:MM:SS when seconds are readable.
**12:19**
